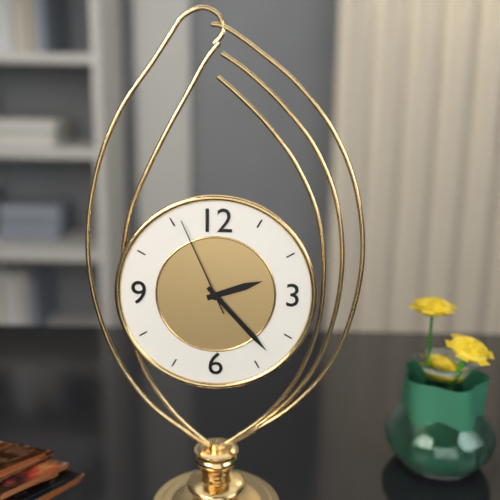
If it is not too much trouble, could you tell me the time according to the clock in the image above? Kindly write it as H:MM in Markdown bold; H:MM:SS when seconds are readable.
**2:23:56**
